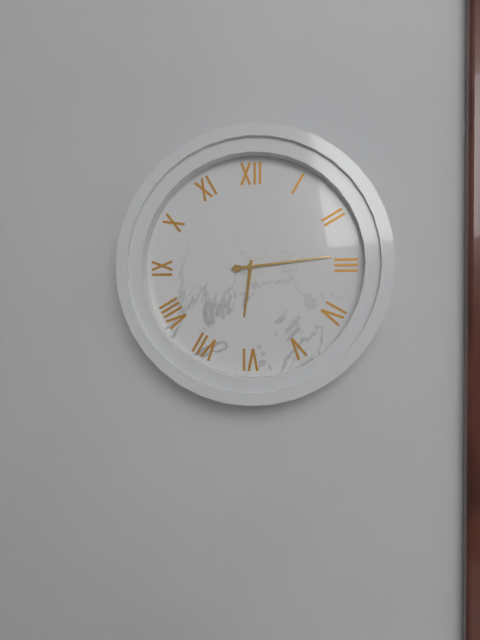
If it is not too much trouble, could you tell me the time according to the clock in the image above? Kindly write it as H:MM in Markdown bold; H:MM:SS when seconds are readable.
**6:14**
